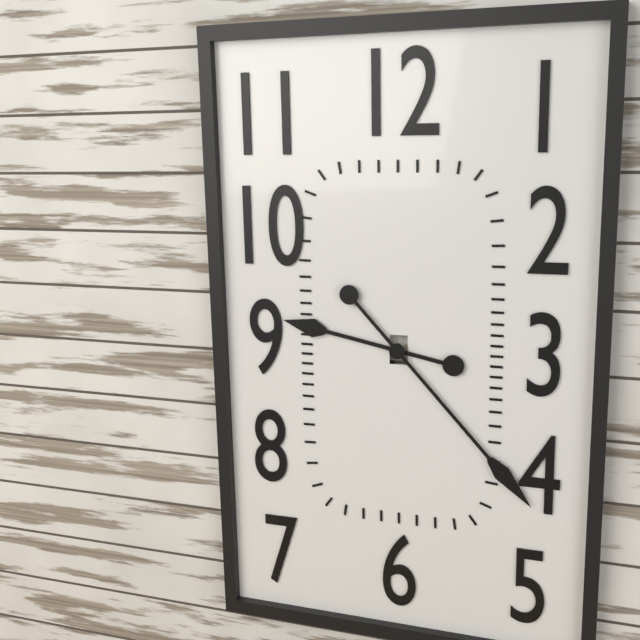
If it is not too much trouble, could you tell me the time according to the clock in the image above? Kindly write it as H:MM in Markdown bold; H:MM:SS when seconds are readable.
**9:23**
